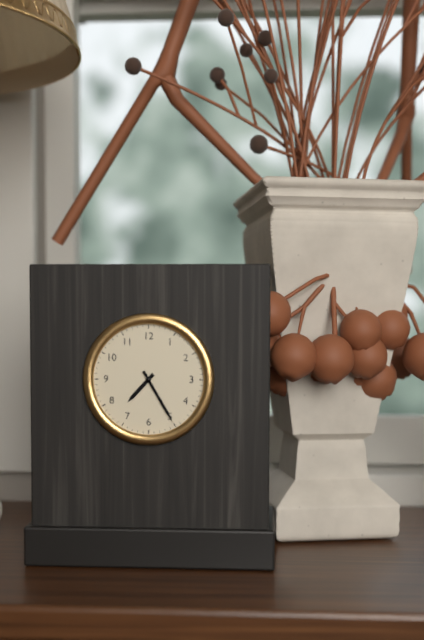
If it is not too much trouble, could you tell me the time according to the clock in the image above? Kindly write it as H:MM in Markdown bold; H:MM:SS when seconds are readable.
**7:25**
